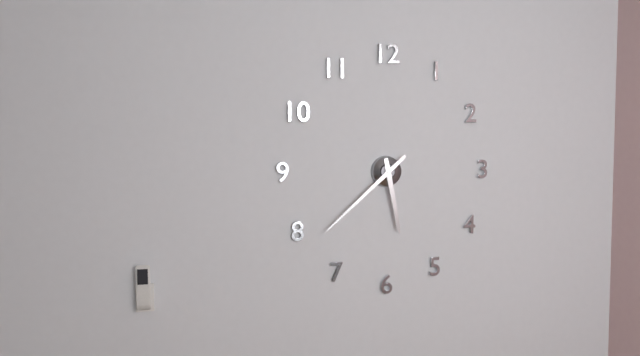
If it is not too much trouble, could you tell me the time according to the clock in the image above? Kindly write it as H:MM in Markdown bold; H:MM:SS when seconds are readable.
**5:38**
